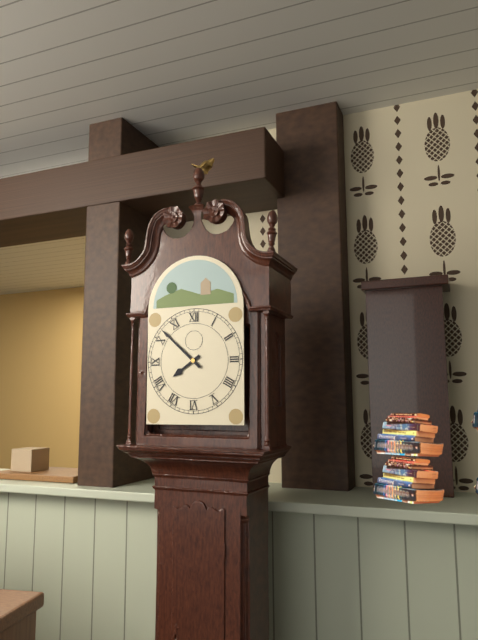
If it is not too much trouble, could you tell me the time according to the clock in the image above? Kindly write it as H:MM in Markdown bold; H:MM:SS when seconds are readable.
**7:52**
